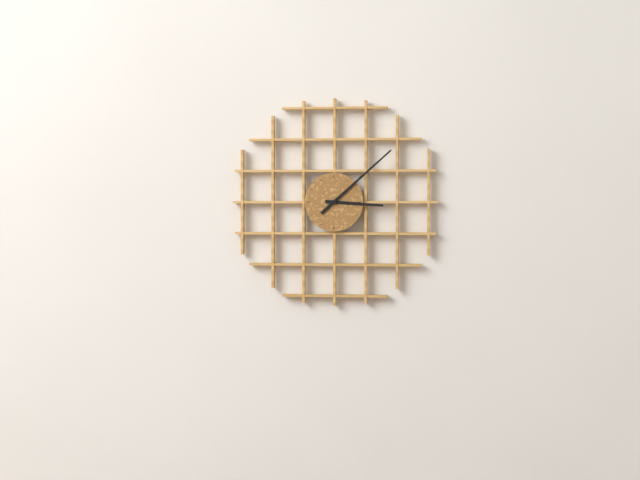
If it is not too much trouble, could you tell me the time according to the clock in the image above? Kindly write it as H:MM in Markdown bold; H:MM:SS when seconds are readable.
**3:08**
